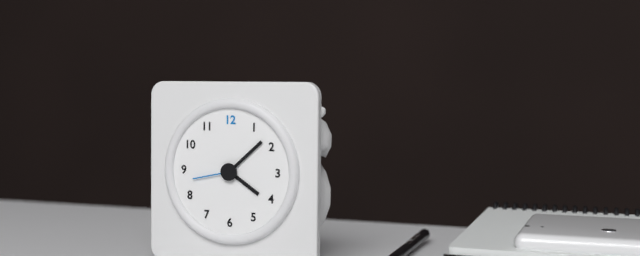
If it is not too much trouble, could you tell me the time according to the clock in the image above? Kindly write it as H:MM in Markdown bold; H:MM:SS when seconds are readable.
**4:08**
